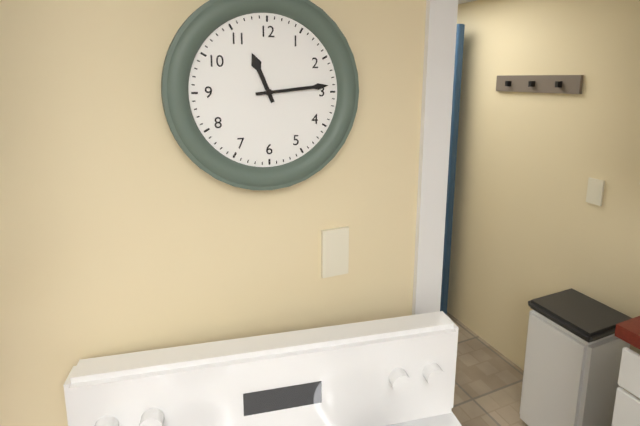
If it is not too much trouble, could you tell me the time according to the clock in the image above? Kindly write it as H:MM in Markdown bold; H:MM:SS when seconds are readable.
**11:14**
